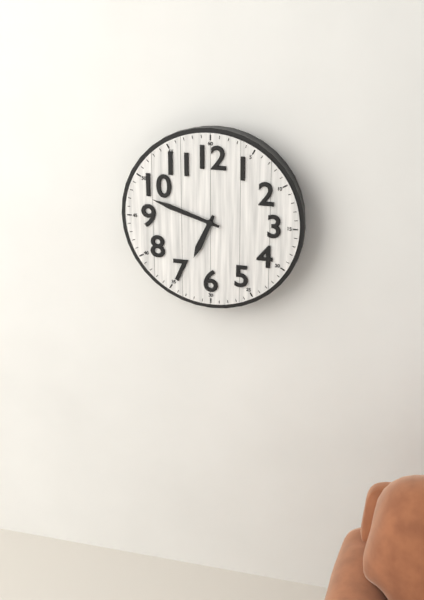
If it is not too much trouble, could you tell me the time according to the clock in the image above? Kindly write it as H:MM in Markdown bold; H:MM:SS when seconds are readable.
**6:48**
